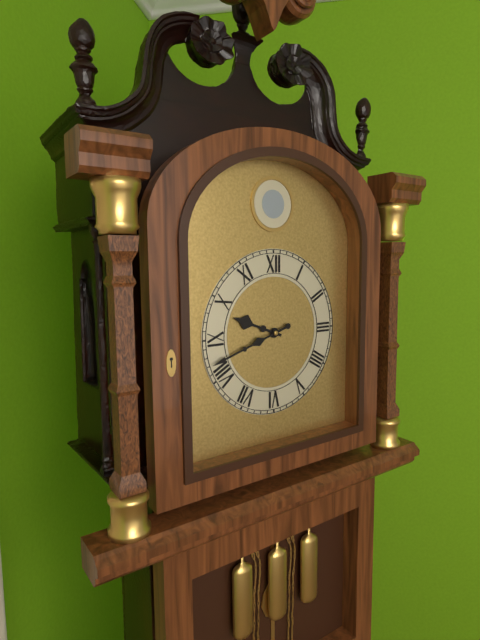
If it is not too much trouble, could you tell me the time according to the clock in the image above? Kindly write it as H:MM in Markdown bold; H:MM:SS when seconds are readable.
**9:42**
